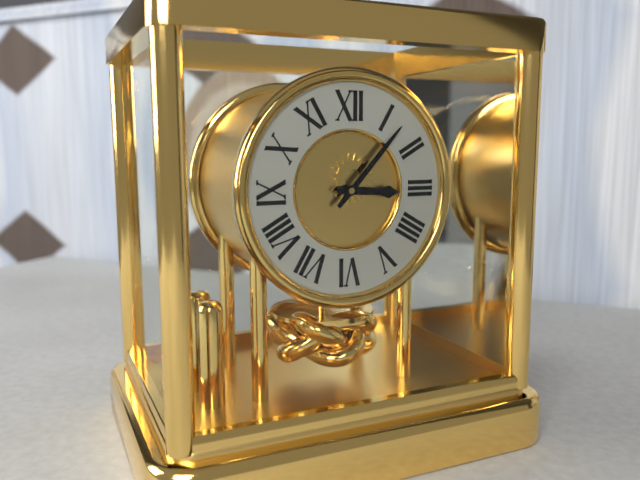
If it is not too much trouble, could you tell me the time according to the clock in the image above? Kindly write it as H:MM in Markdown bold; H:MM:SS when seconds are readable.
**3:07**
